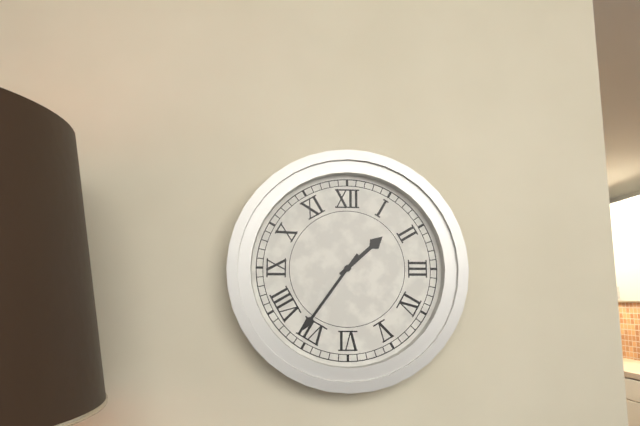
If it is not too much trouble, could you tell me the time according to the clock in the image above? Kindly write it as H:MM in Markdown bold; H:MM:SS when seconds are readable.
**1:36**
